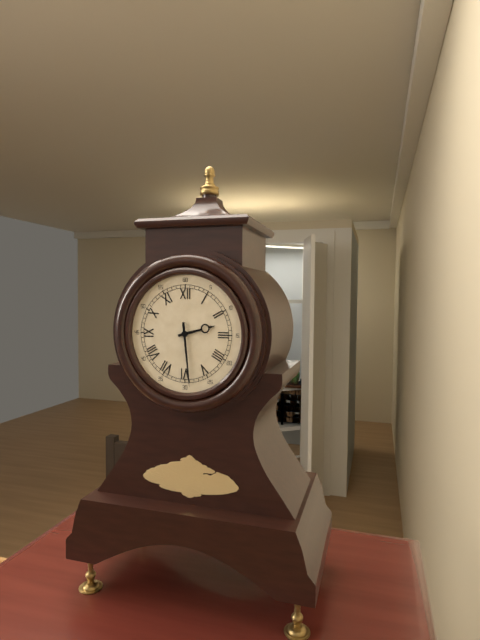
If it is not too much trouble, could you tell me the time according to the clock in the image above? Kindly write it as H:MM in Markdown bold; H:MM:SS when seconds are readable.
**2:29**
